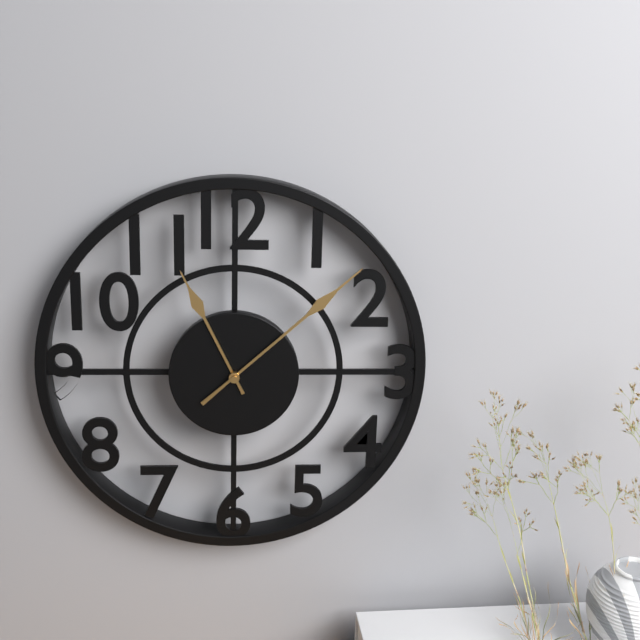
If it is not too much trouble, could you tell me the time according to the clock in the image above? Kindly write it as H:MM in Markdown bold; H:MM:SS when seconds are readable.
**11:08**
